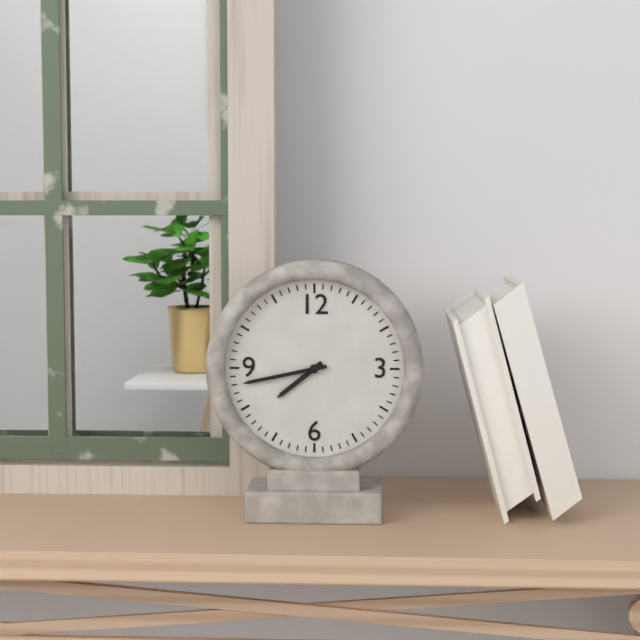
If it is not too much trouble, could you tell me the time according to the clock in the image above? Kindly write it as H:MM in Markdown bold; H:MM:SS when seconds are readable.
**7:43**
